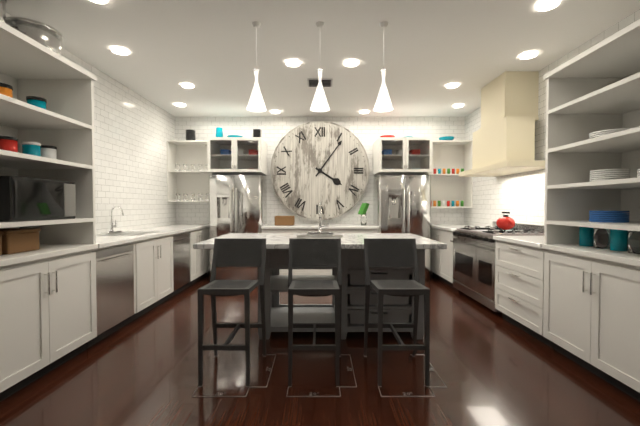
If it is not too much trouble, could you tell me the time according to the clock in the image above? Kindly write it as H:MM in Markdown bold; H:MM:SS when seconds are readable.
**4:06**
